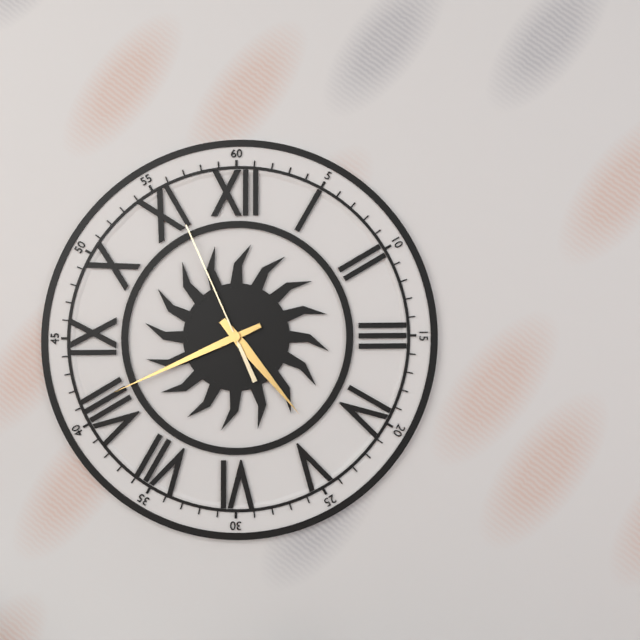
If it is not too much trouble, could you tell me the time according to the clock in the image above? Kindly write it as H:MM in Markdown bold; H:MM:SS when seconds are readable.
**4:41:56**
